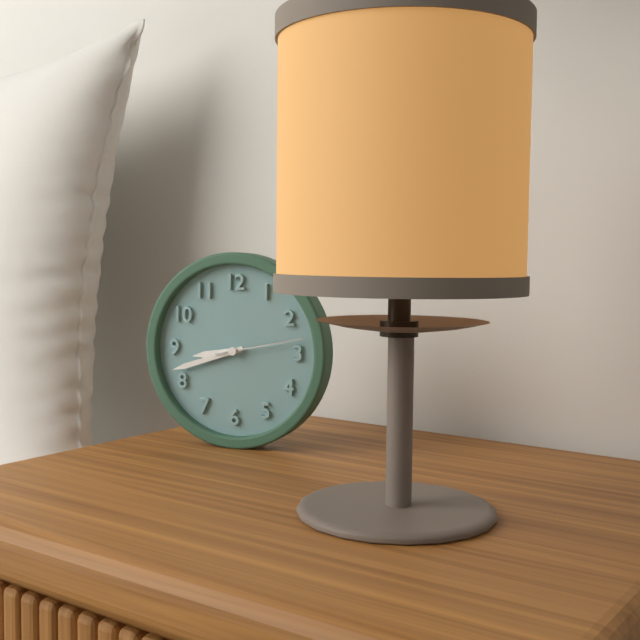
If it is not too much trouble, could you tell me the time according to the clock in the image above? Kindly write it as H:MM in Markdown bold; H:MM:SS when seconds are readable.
**8:42:13**
